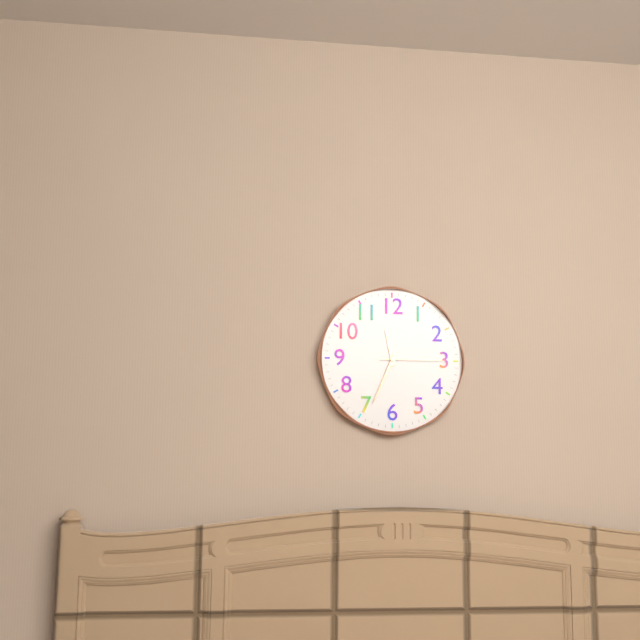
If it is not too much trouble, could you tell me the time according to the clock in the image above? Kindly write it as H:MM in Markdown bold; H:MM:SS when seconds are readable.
**11:34:15**
